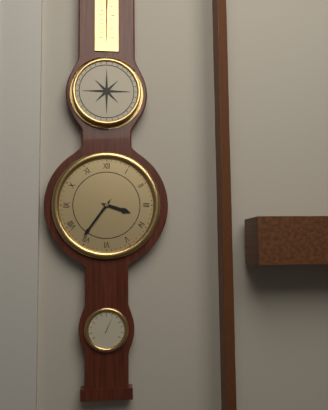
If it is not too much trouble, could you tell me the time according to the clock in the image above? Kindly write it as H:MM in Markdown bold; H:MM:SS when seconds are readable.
**3:36**
